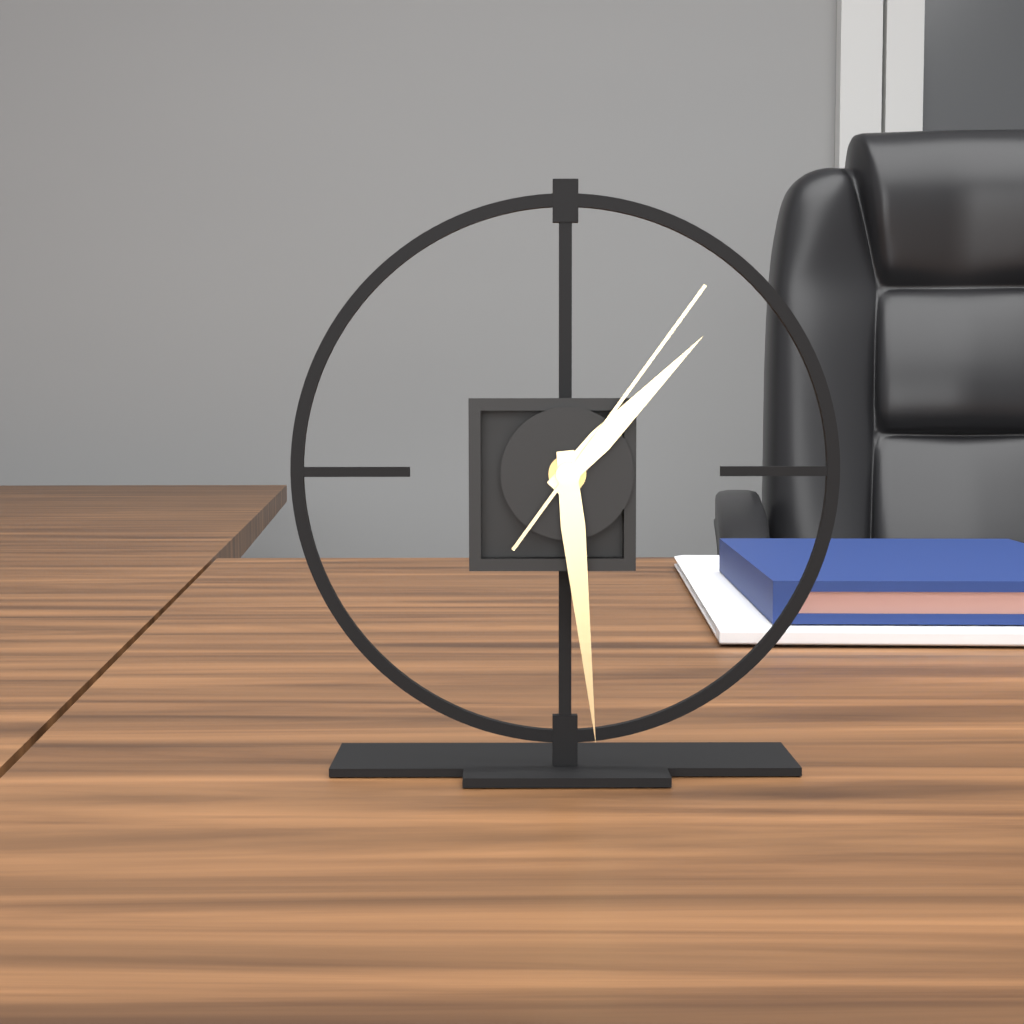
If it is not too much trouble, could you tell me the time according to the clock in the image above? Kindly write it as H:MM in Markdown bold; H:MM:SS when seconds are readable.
**1:29:06**
